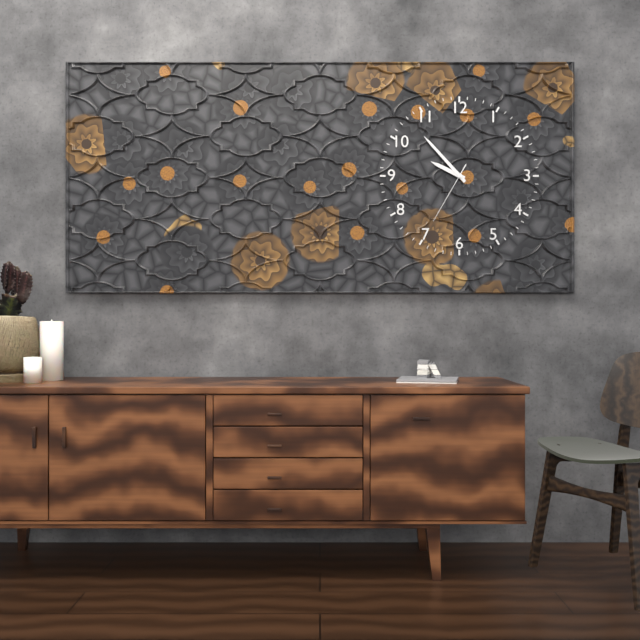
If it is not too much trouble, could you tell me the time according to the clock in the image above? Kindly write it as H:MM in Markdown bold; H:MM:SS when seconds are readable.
**9:53:35**
